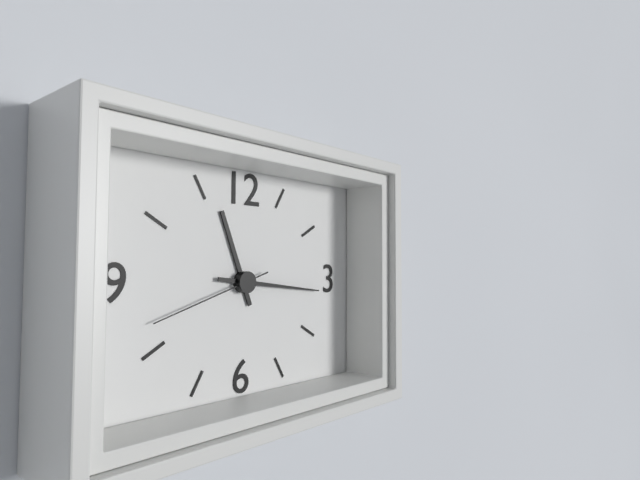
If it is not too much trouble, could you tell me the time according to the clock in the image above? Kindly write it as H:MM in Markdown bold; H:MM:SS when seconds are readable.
**11:16:42**
